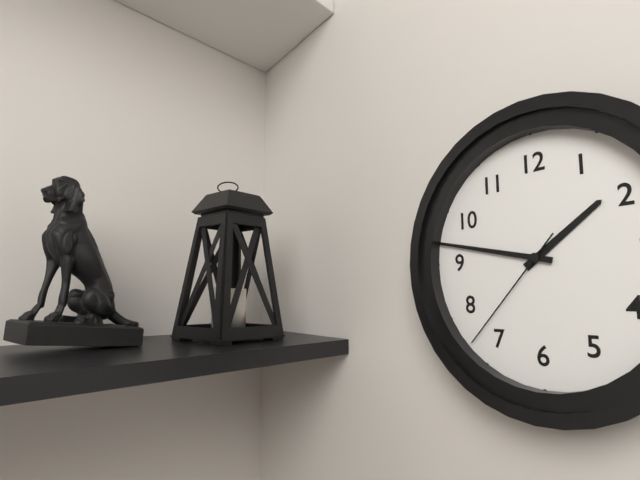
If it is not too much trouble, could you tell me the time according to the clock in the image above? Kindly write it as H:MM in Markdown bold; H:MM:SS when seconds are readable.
**1:47:37**
